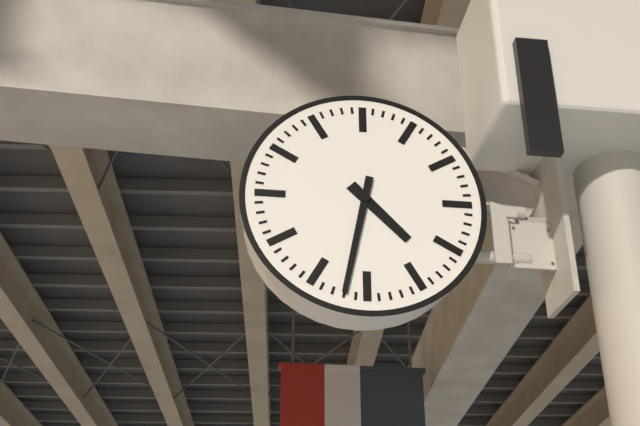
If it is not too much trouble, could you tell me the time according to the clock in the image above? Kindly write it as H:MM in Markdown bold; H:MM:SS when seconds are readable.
**4:32**
